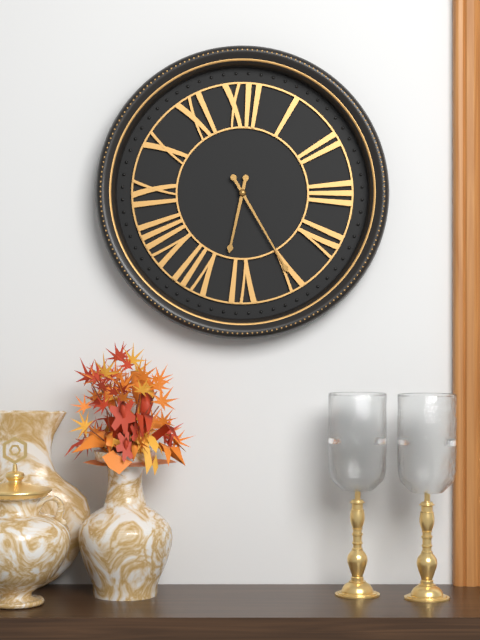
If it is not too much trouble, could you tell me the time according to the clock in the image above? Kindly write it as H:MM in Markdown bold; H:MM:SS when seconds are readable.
**6:25**
